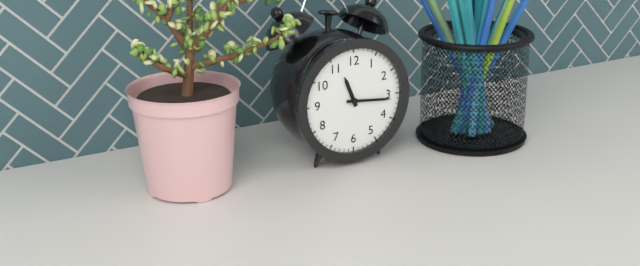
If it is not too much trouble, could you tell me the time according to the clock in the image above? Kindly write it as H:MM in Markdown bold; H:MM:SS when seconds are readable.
**11:16**
